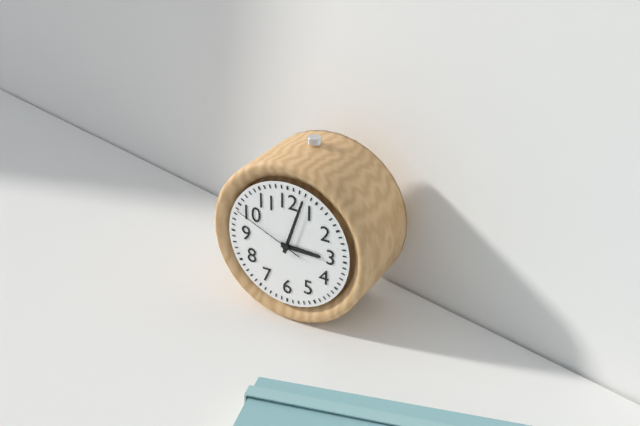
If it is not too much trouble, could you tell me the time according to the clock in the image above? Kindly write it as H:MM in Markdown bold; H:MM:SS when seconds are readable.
**3:03:49**
